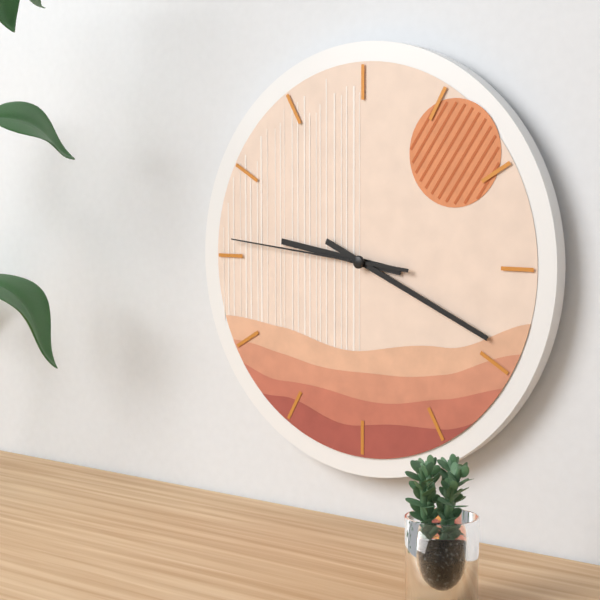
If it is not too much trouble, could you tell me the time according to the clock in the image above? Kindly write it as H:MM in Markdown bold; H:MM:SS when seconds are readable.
**9:19:46**
